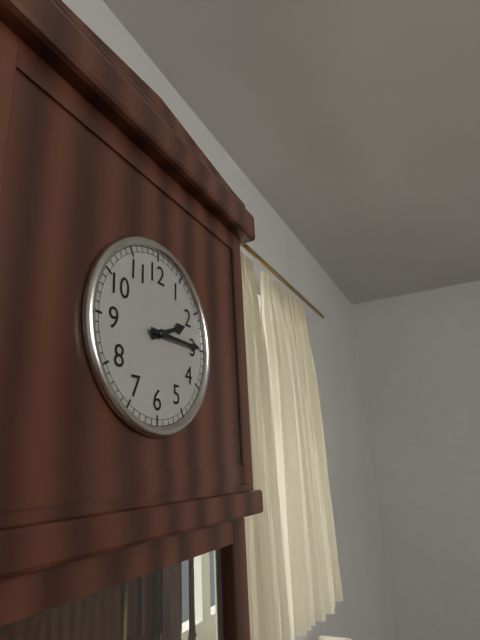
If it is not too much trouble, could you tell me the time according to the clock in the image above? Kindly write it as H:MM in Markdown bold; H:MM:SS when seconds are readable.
**2:15**
